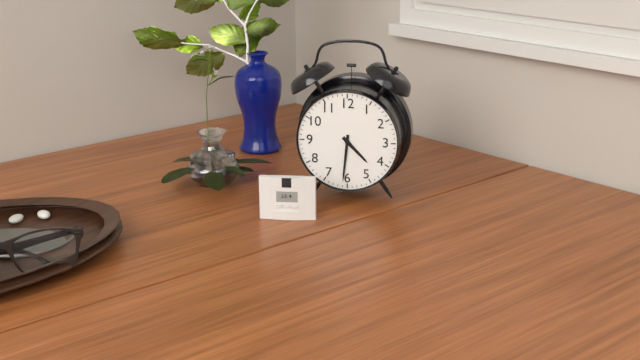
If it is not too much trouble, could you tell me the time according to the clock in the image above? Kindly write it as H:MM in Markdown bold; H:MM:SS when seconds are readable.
**4:31**
